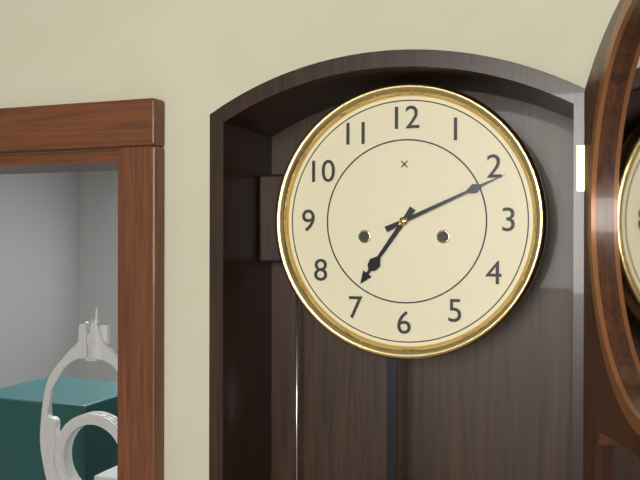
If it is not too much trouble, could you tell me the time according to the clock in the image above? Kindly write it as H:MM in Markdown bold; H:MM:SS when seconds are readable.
**7:11**
